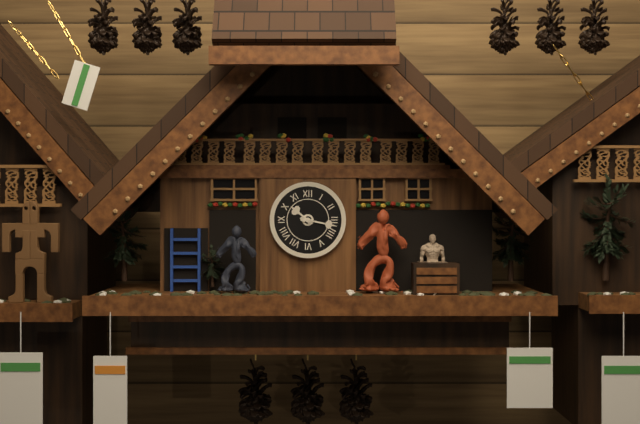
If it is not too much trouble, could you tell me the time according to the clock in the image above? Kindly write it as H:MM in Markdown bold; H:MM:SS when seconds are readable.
**10:17**
